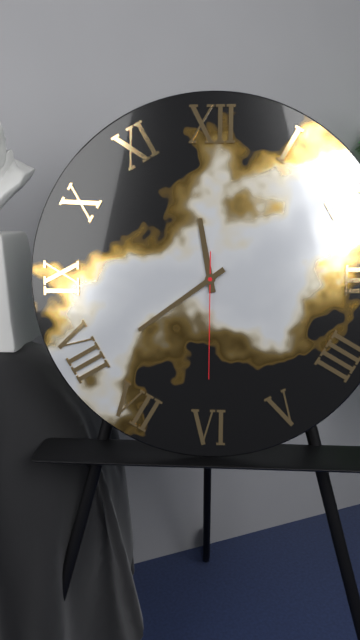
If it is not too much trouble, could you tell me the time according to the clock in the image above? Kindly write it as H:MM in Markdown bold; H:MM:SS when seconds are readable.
**11:39:30**
